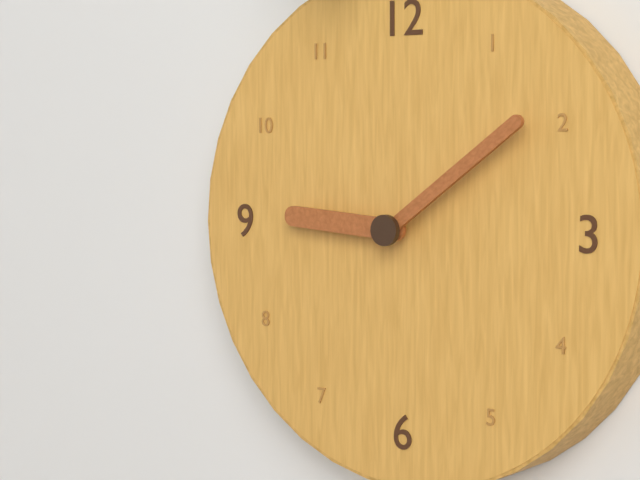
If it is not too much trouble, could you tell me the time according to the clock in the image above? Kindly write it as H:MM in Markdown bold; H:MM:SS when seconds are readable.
**9:09**
